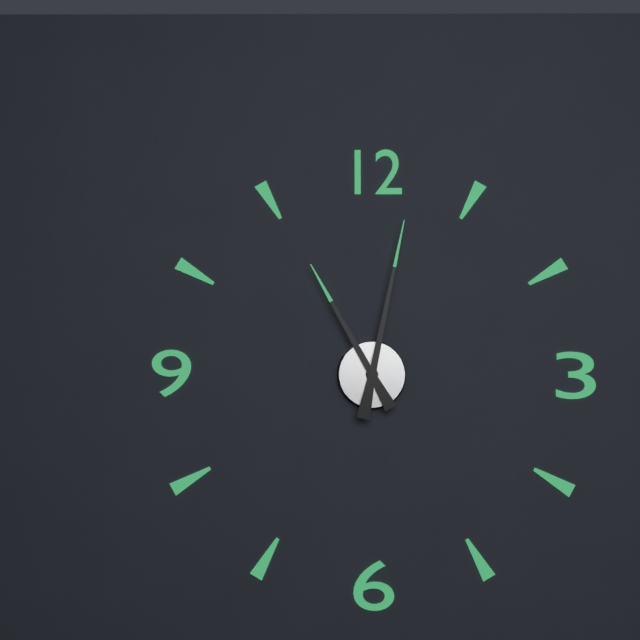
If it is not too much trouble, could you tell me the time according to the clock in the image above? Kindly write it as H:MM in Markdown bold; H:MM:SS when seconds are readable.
**11:02**
